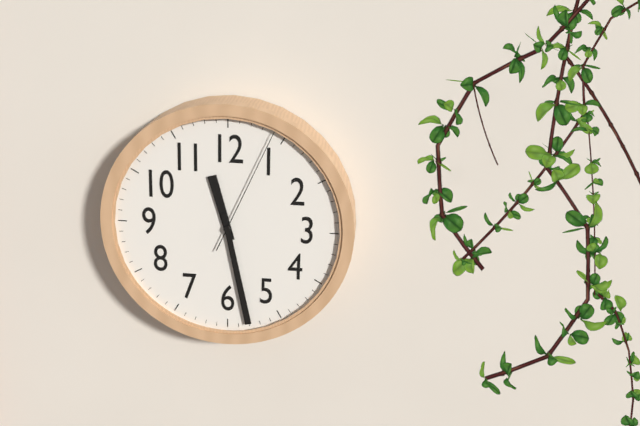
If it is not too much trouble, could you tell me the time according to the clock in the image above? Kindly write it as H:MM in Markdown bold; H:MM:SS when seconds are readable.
**11:28:04**
